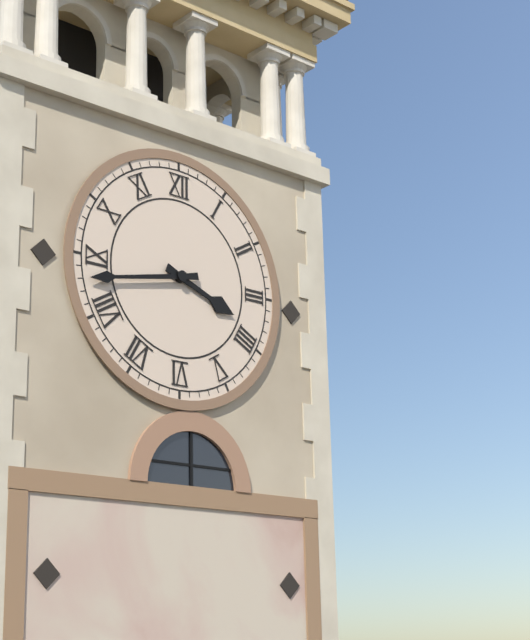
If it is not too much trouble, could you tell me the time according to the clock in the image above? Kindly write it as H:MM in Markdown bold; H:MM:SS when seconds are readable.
**3:43**
